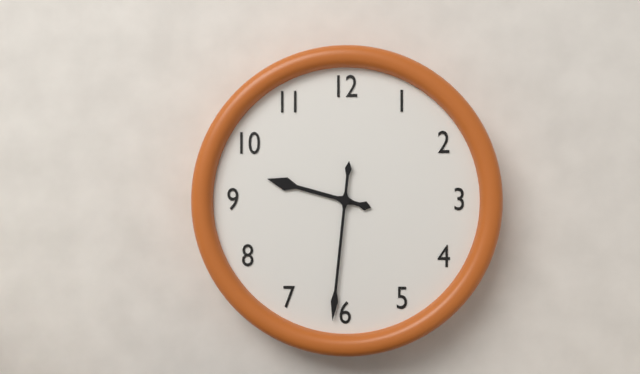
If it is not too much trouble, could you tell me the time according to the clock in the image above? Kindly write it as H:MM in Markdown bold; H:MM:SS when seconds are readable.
**9:31**
